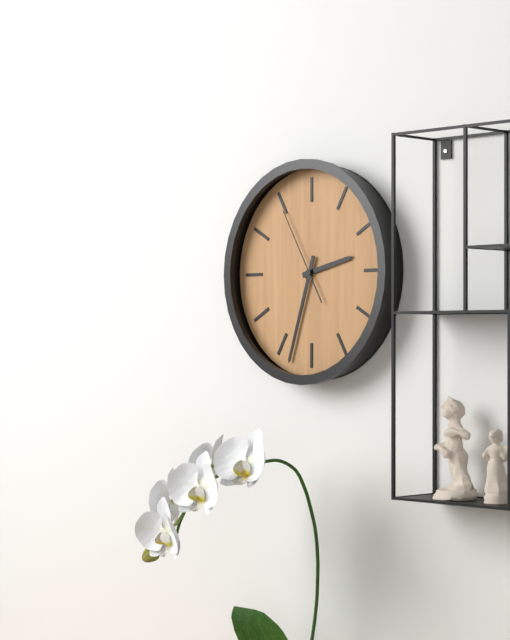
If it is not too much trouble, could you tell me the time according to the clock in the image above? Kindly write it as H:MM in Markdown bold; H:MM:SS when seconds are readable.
**2:33:55**
